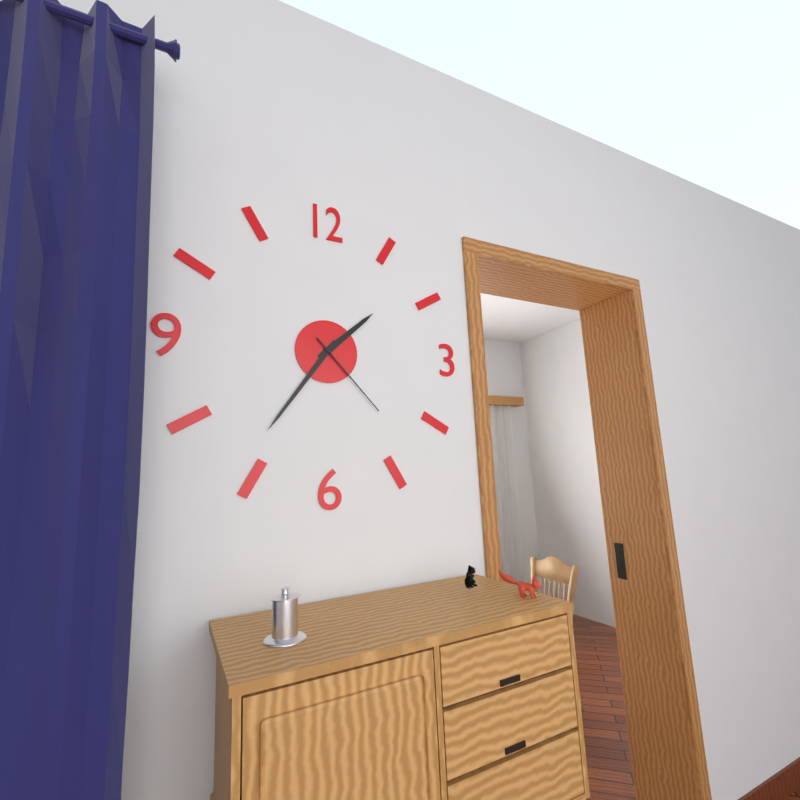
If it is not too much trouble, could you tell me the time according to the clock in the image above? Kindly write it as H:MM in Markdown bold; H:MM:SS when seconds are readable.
**1:36:23**
